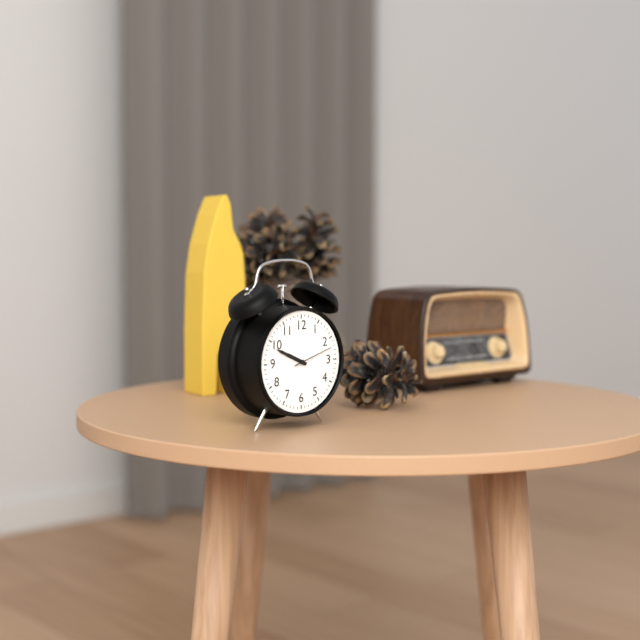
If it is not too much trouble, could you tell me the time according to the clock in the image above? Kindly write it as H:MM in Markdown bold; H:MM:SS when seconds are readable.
**9:49**
